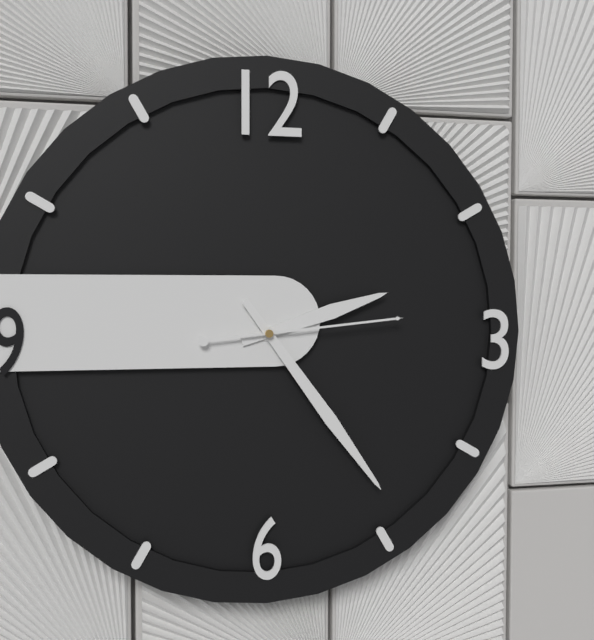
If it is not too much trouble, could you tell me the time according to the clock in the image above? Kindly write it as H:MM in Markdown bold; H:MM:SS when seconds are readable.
**2:24:14**
